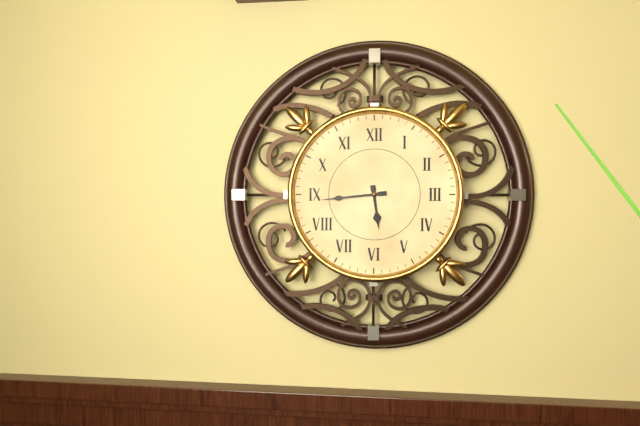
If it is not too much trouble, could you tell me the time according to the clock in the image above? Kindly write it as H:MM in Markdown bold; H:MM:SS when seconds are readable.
**5:44**
